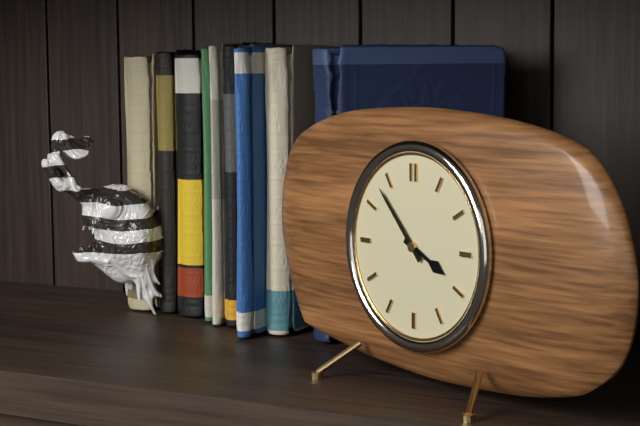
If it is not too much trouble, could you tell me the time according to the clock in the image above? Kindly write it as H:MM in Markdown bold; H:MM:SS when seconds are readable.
**3:53**
